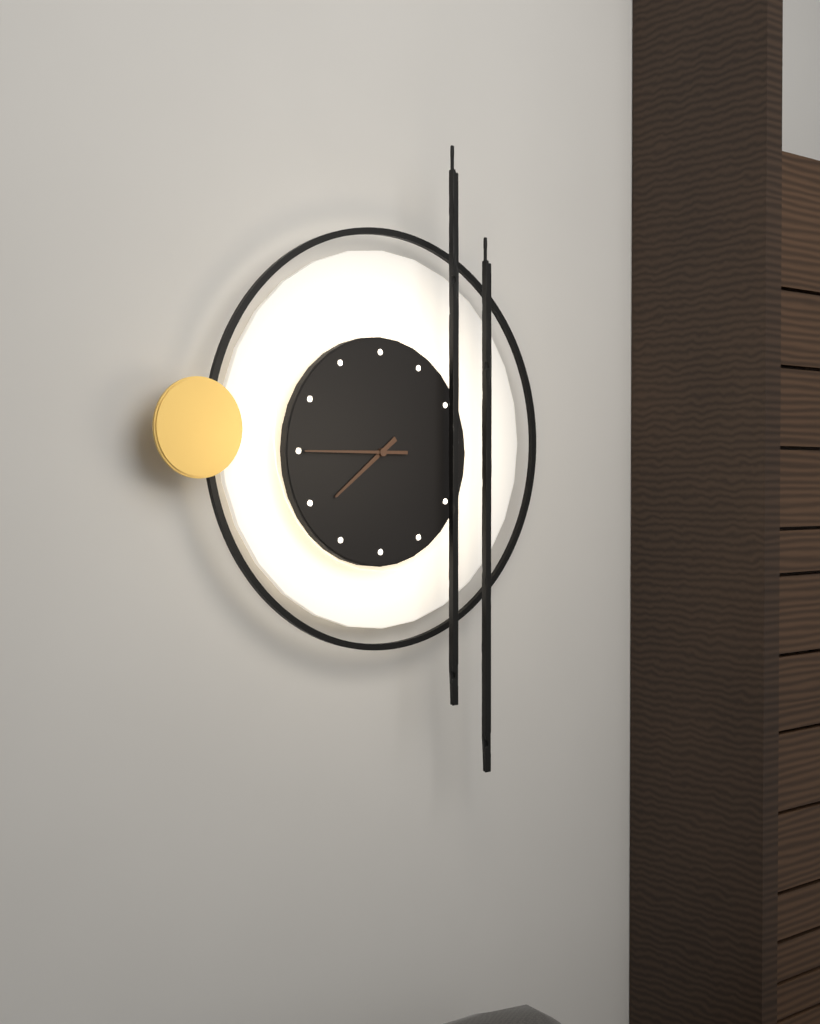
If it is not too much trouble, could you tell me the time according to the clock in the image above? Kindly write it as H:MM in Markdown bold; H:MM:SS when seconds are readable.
**7:45**
